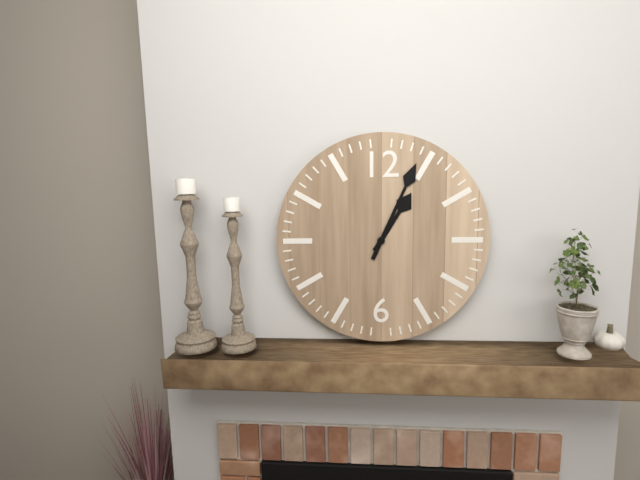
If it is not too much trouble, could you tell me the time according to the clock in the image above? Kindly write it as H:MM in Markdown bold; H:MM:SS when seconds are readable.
**1:04**
